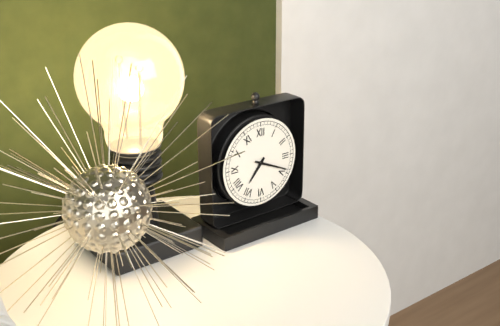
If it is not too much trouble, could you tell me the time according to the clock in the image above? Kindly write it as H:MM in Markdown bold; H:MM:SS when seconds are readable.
**7:19**
